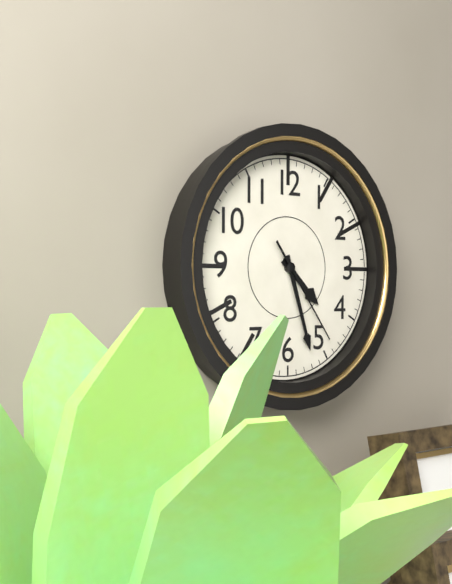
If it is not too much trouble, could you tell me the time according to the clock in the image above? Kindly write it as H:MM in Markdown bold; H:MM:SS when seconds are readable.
**4:27:24**
